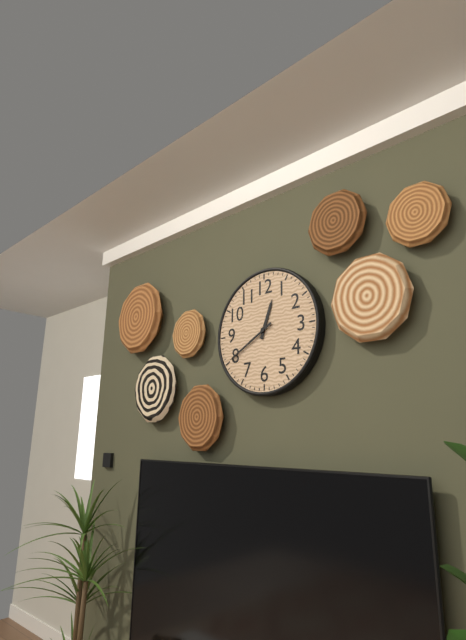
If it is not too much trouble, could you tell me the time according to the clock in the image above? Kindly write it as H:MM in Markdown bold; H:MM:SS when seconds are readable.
**12:40**
